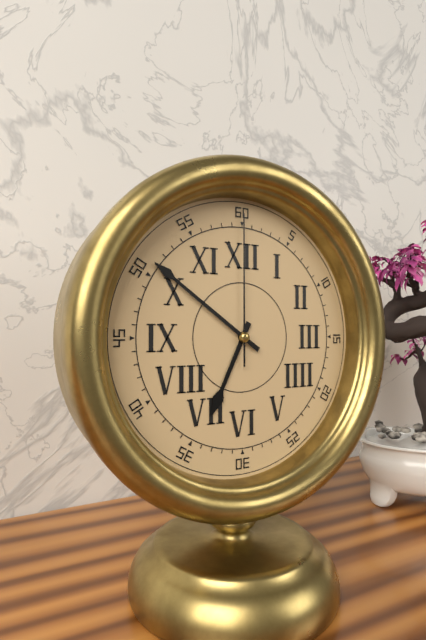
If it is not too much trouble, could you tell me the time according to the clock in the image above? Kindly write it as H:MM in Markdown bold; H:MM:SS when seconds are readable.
**6:51:00**
